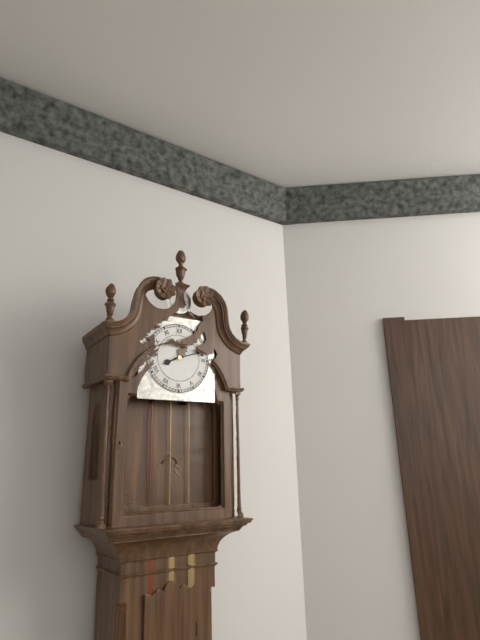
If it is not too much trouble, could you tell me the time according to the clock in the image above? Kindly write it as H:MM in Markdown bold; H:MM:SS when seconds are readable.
**8:12**
